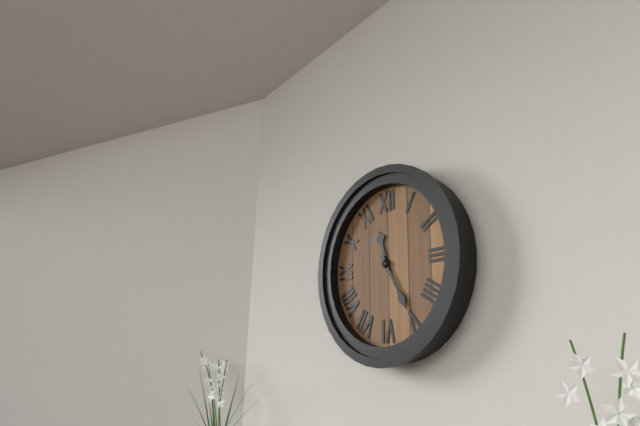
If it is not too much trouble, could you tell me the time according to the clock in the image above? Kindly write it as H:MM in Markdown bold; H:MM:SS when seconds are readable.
**11:25**
